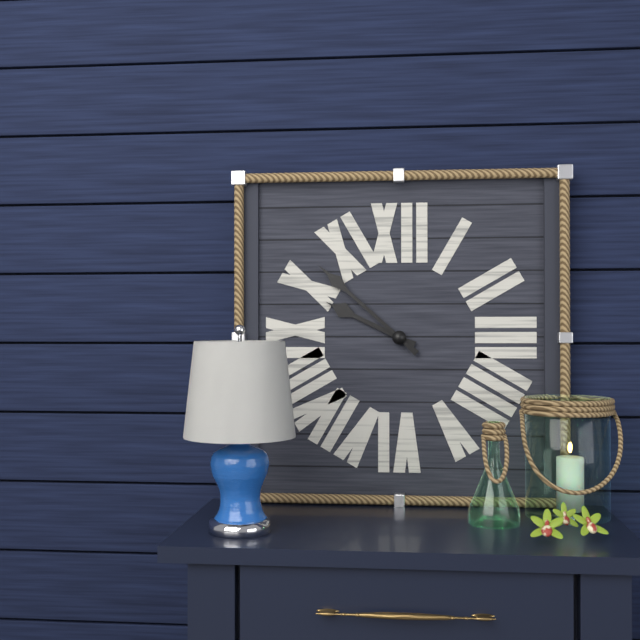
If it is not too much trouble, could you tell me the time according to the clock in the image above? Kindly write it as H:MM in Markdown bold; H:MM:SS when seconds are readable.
**9:52**
